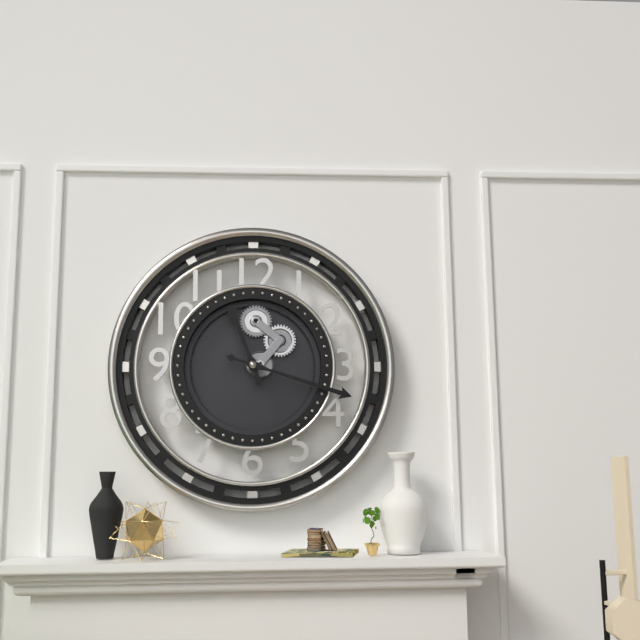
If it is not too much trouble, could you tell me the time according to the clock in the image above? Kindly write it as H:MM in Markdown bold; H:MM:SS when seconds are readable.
**11:18**
